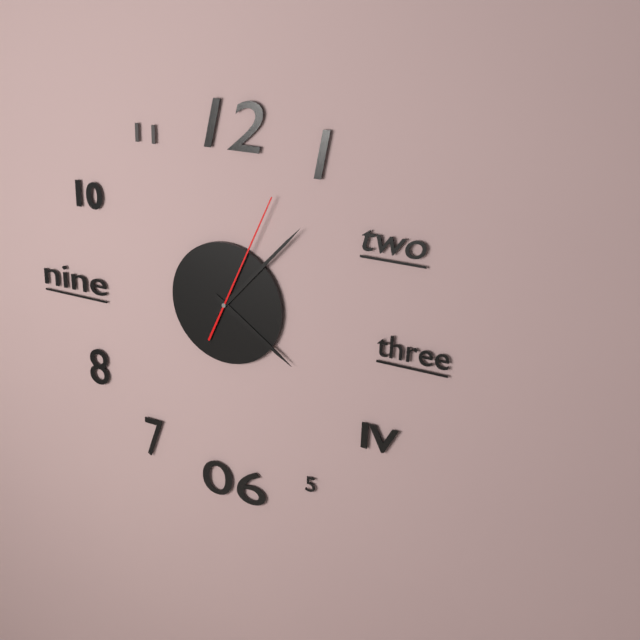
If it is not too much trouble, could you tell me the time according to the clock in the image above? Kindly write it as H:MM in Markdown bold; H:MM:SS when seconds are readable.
**4:07:04**
